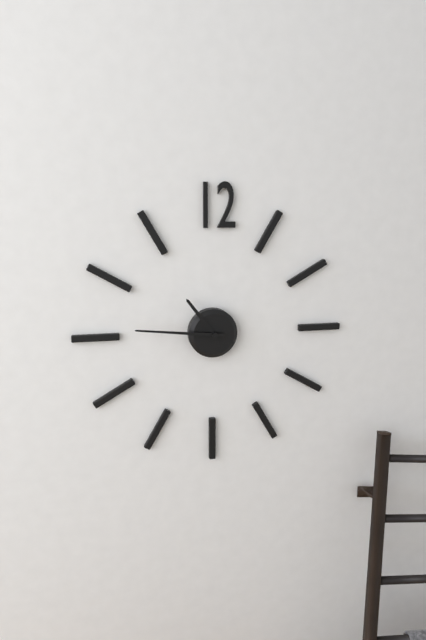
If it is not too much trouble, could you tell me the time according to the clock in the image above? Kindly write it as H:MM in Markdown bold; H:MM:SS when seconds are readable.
**10:46**
